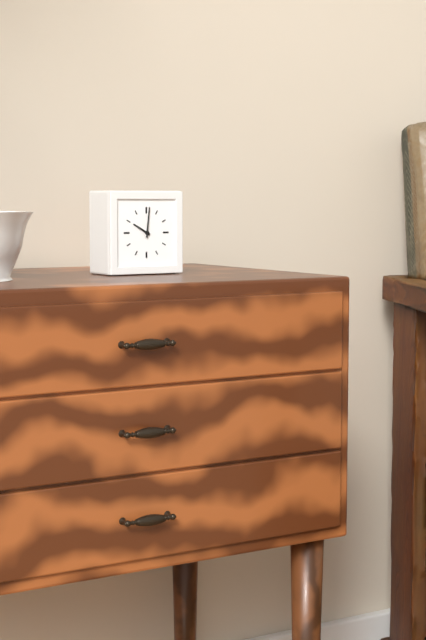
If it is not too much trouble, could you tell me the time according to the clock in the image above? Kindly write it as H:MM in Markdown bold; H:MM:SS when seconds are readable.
**10:01**
